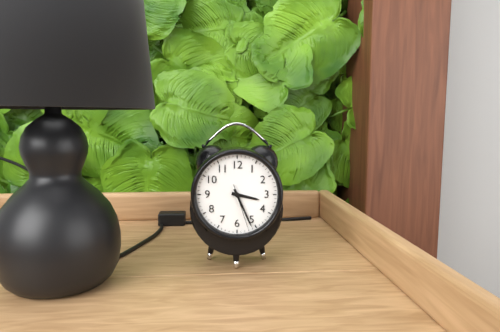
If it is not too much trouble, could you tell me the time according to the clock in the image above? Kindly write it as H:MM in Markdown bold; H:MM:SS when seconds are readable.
**3:26**
